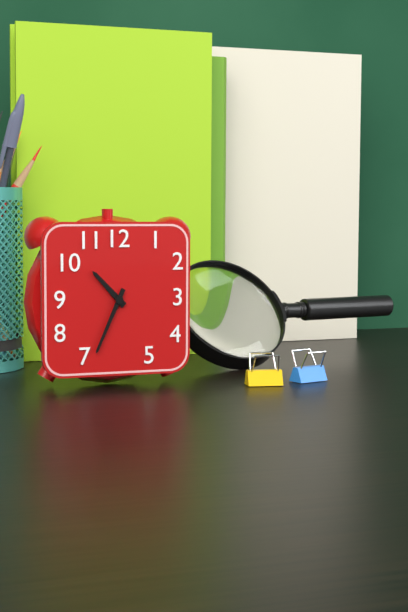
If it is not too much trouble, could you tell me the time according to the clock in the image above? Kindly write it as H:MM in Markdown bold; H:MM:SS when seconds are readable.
**10:34**
